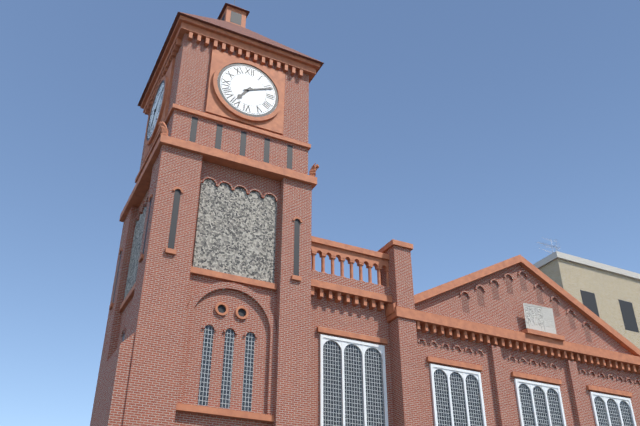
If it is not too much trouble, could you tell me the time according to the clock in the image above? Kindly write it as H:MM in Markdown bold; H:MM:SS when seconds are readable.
**7:11**
